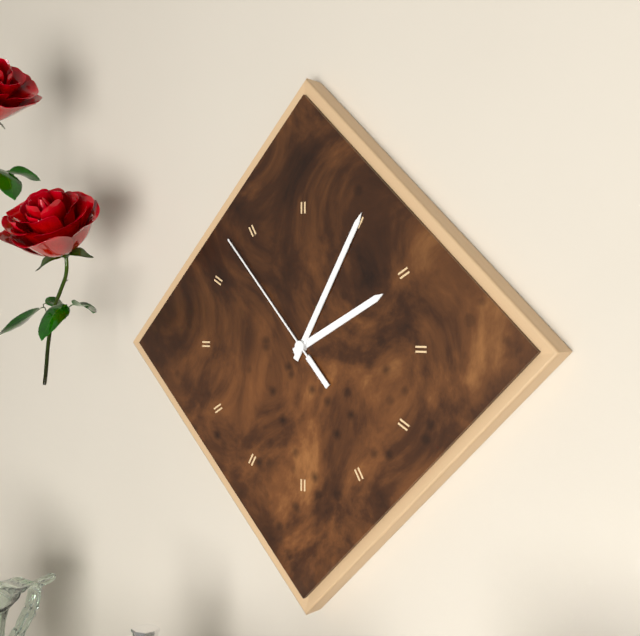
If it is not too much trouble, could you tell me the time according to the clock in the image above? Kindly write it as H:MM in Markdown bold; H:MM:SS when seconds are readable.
**2:05:53**
